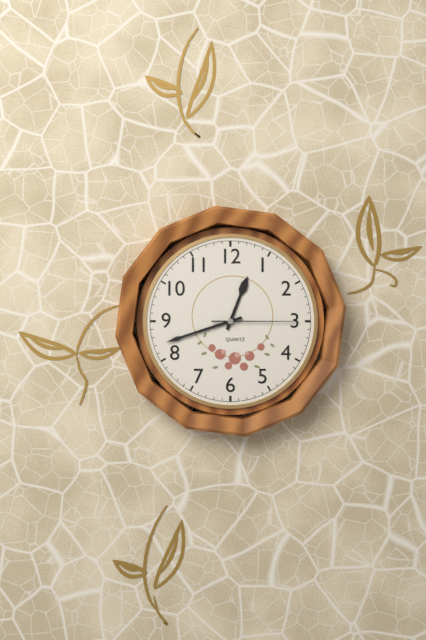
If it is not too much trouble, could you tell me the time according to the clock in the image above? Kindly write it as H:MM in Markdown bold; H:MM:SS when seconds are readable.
**12:42:15**
